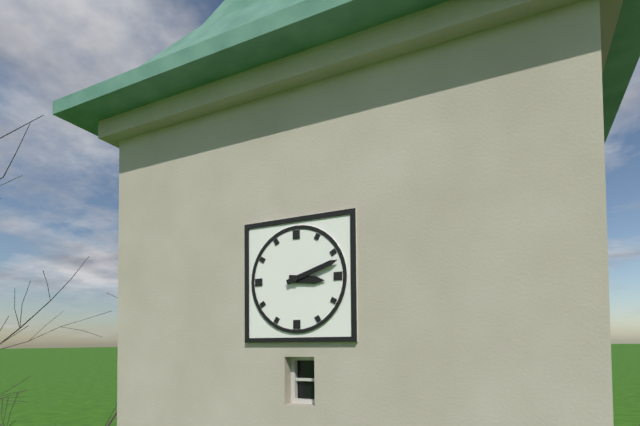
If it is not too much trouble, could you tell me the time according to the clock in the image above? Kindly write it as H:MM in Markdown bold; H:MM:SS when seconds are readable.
**3:12**
